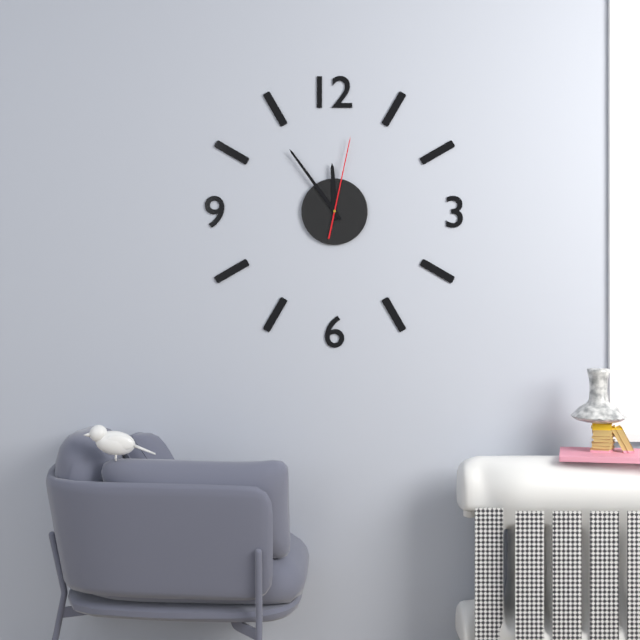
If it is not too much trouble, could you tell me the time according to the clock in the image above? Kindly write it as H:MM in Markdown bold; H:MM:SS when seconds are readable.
**11:54:02**
